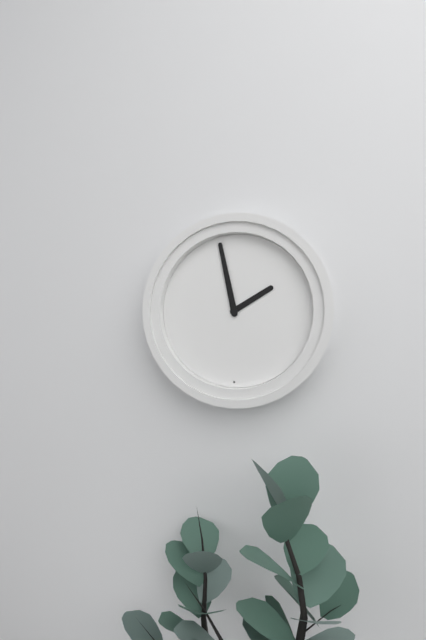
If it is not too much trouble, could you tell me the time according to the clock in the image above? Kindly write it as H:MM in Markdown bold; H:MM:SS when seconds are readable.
**1:58**
